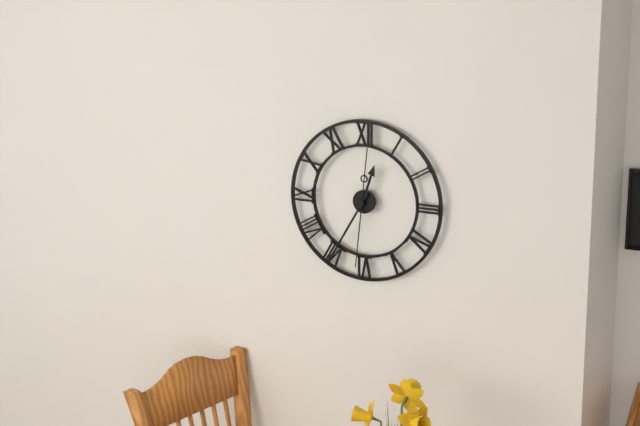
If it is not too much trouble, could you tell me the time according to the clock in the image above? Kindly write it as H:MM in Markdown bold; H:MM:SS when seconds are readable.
**12:35:31**
